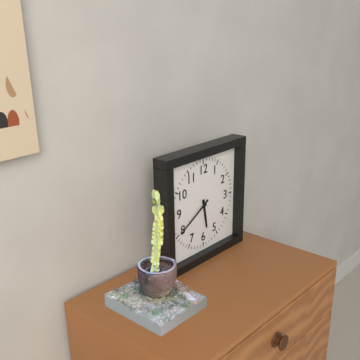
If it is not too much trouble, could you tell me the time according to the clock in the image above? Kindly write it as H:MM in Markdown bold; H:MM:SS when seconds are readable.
**5:40**
